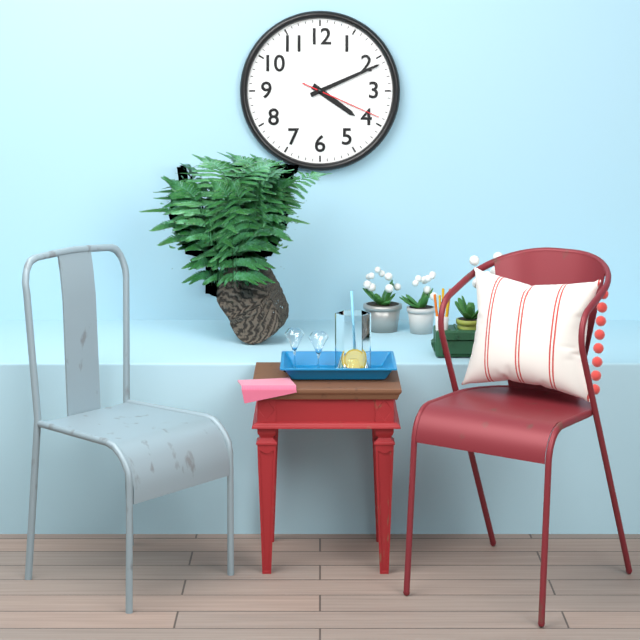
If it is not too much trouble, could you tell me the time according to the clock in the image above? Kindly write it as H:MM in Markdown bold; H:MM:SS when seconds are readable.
**4:11:19**
